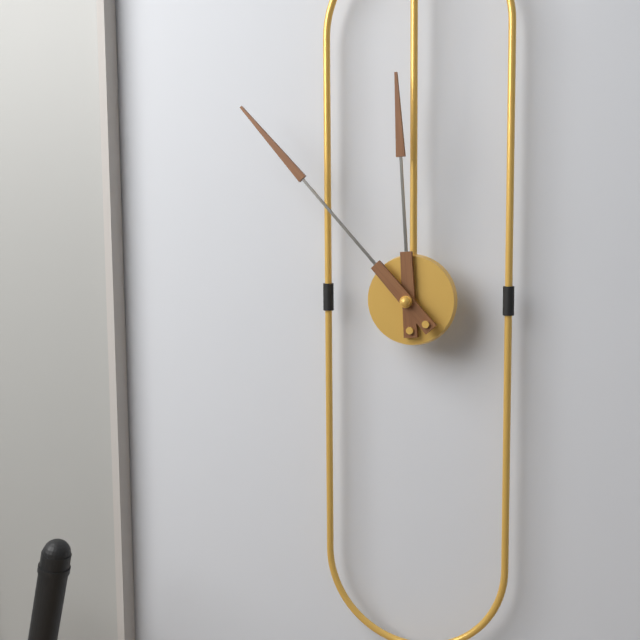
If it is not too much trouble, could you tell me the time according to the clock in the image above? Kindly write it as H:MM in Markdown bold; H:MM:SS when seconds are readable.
**11:53**
